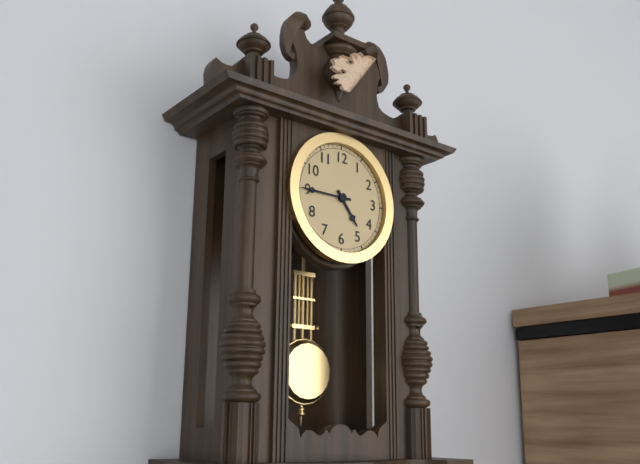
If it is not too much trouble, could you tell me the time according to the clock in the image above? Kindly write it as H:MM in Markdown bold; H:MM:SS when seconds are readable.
**4:45**
